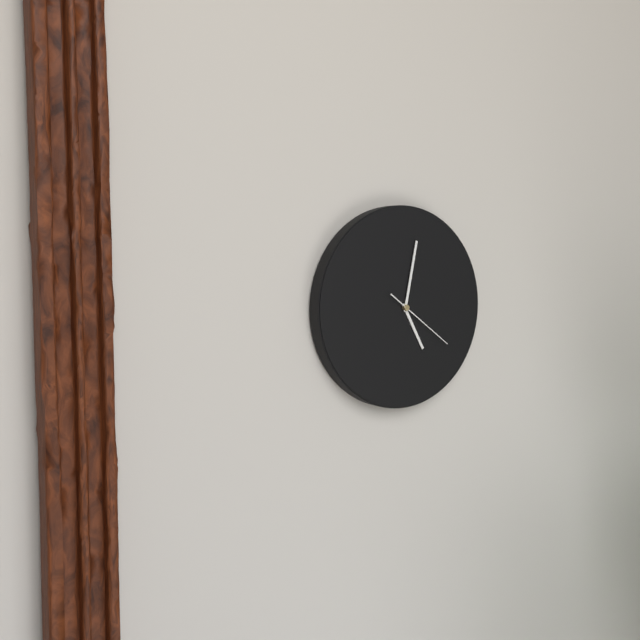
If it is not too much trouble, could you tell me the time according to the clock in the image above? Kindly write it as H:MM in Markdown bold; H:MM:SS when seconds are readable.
**5:02:21**
